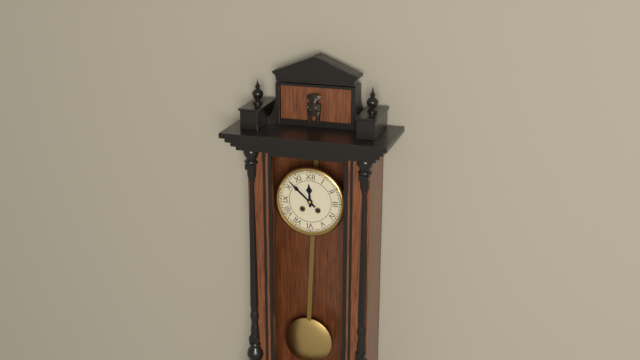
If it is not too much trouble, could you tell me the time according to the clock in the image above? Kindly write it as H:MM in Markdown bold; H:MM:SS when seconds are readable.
**11:52**
